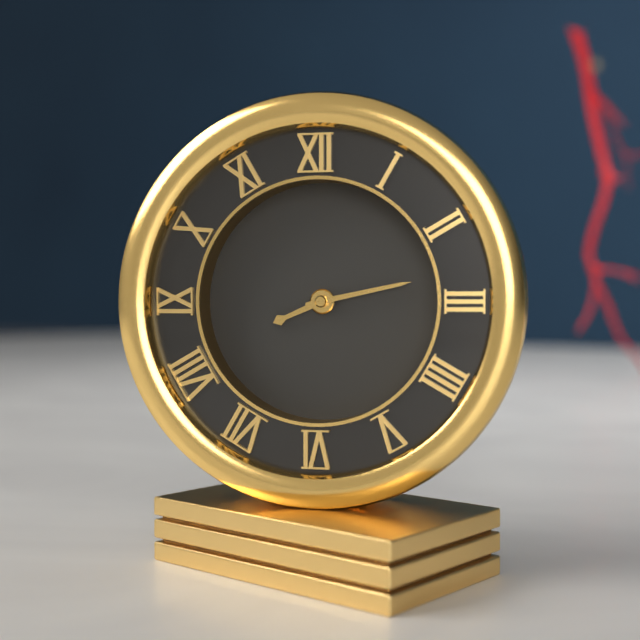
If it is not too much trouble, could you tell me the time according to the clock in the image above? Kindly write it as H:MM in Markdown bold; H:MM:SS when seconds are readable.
**8:13**
